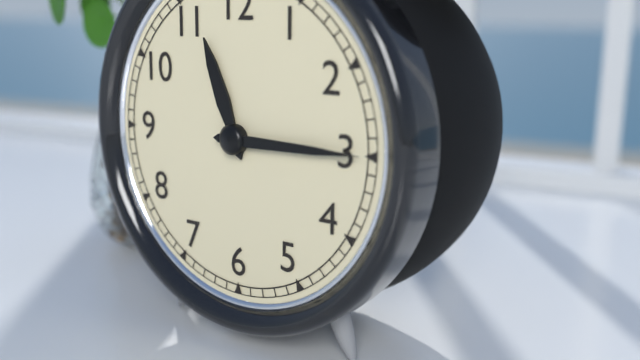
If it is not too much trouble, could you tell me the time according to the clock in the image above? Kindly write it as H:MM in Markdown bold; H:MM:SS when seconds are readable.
**11:15**
